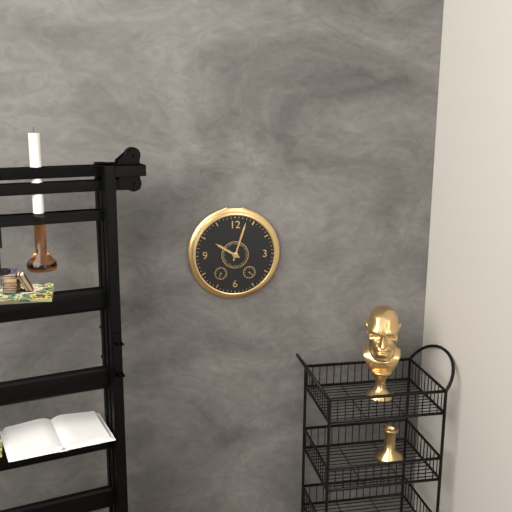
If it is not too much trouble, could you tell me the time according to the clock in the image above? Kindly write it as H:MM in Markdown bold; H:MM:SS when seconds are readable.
**10:03**
